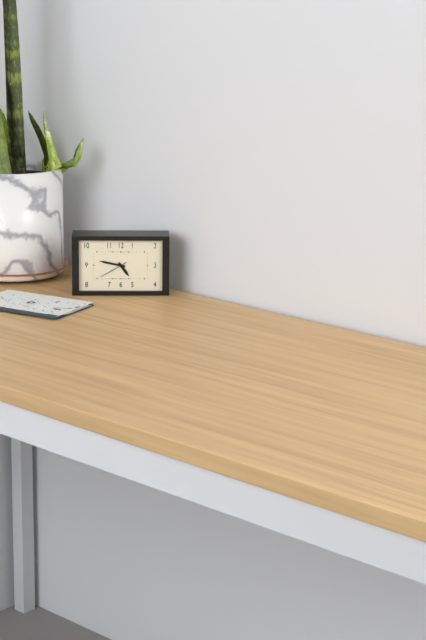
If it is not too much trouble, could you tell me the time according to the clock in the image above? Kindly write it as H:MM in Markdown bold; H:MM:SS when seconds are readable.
**4:47**
